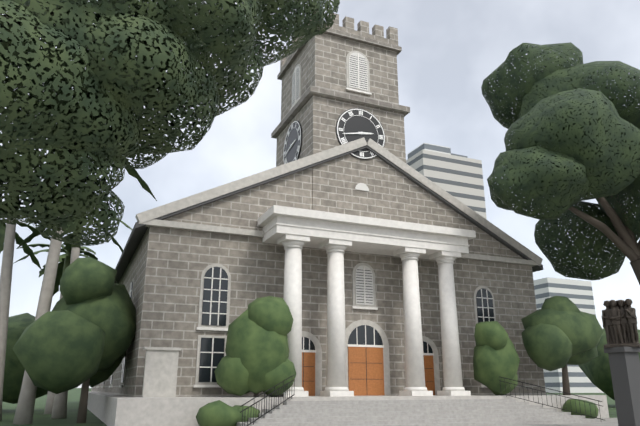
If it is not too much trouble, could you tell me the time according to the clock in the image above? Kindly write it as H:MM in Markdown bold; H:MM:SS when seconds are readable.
**2:43**
